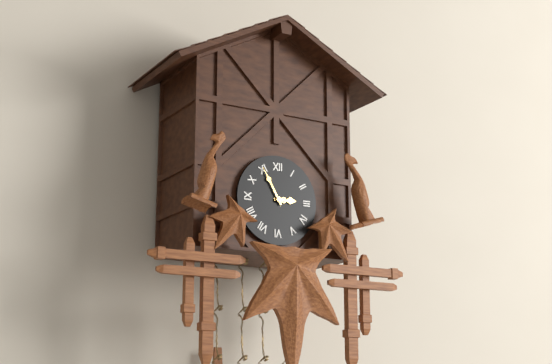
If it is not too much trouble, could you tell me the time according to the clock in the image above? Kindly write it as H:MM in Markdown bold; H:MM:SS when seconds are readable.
**2:55**
